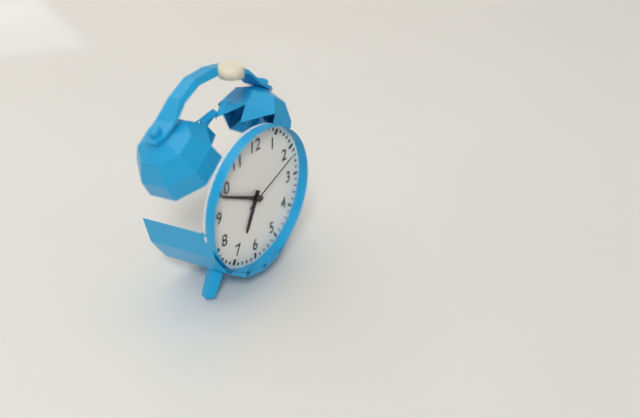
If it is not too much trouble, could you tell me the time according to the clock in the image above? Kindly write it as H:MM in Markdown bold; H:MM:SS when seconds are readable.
**6:49:11**
